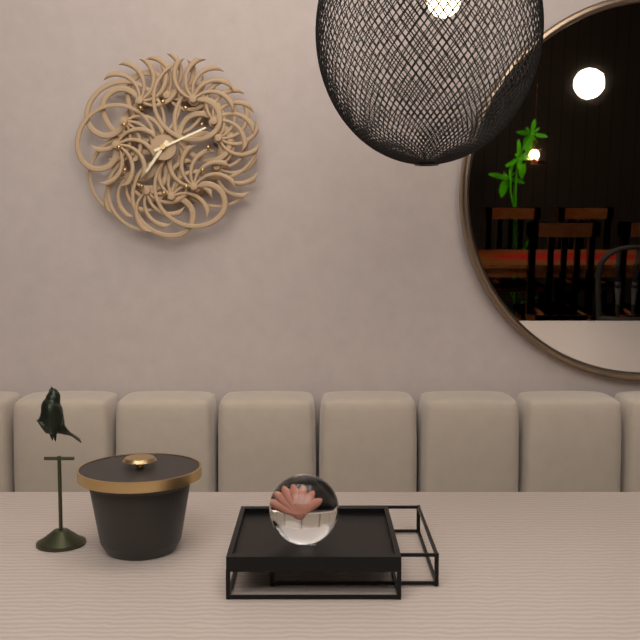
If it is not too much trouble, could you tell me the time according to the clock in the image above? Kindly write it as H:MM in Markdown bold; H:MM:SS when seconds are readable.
**7:11**
